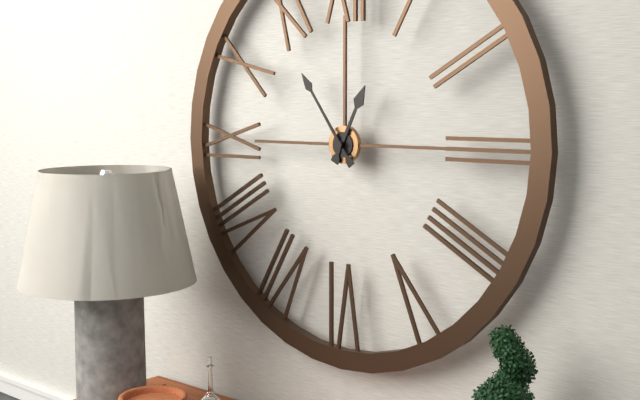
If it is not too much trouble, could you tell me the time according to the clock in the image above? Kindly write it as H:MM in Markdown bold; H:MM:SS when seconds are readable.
**12:54**
